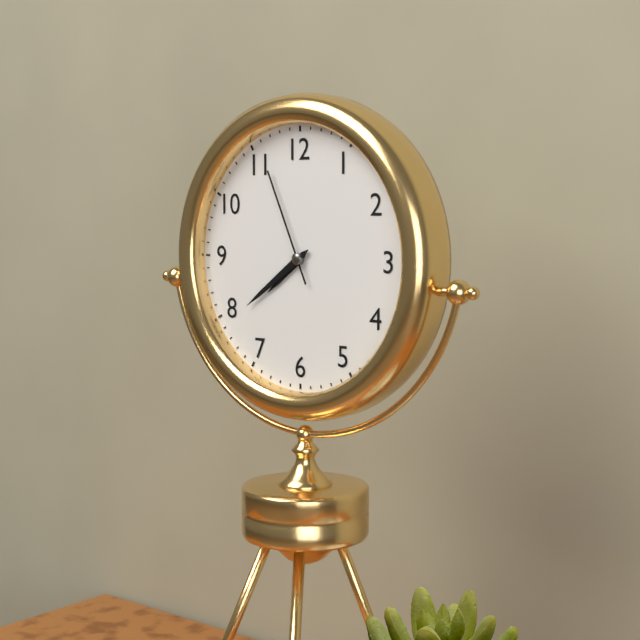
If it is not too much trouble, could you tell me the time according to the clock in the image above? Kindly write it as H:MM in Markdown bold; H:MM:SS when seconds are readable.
**7:39:56**
